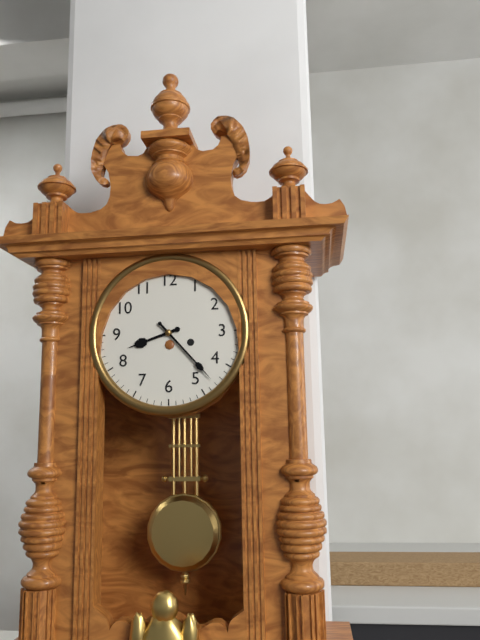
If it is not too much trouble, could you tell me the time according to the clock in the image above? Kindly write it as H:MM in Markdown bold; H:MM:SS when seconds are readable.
**8:23**
